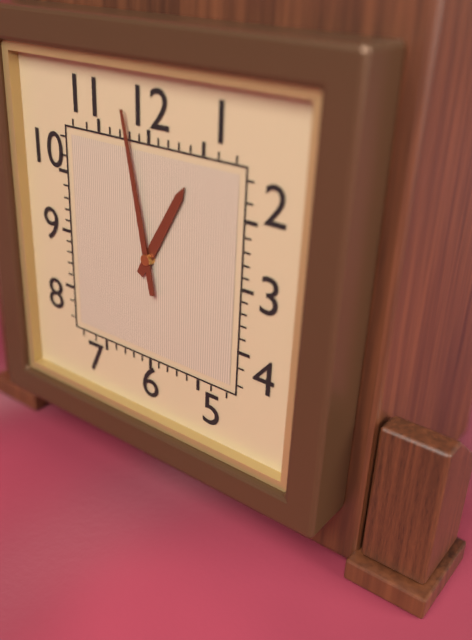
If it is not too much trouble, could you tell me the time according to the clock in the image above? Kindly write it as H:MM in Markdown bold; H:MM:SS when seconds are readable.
**12:58**
